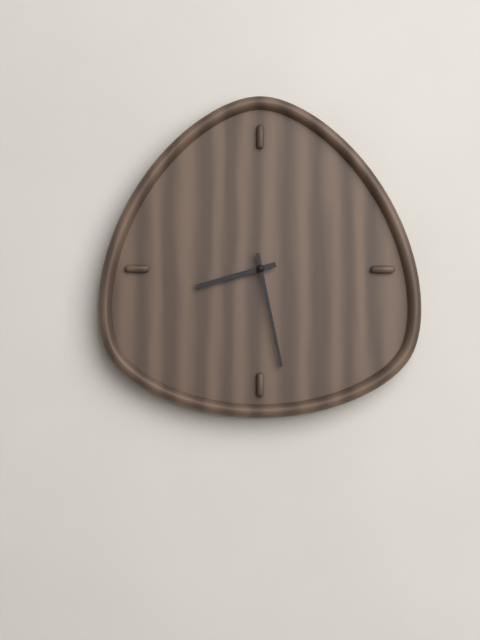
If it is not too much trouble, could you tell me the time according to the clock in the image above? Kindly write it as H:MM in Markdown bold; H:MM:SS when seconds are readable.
**8:28**
